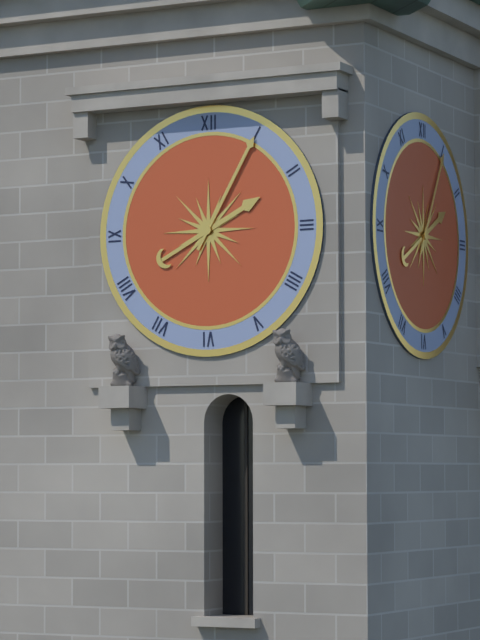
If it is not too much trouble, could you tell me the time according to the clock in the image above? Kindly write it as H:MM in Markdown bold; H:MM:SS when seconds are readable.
**2:05**
